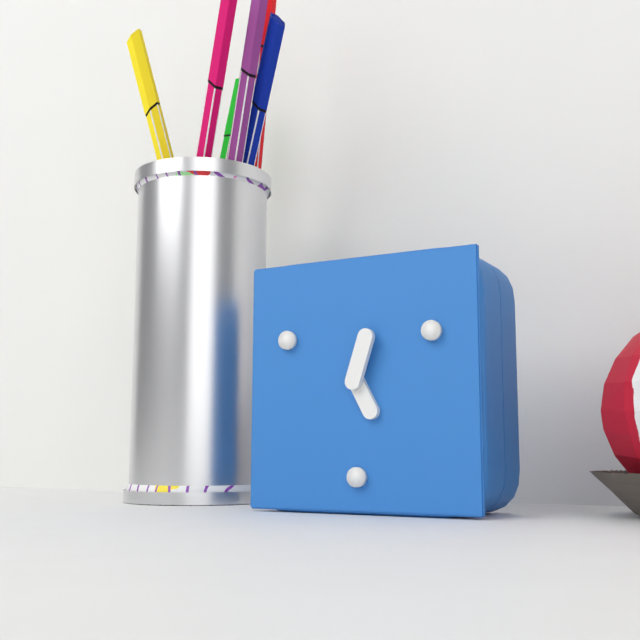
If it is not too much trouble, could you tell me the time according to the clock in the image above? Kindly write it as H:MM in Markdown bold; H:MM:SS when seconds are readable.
**5:03**
